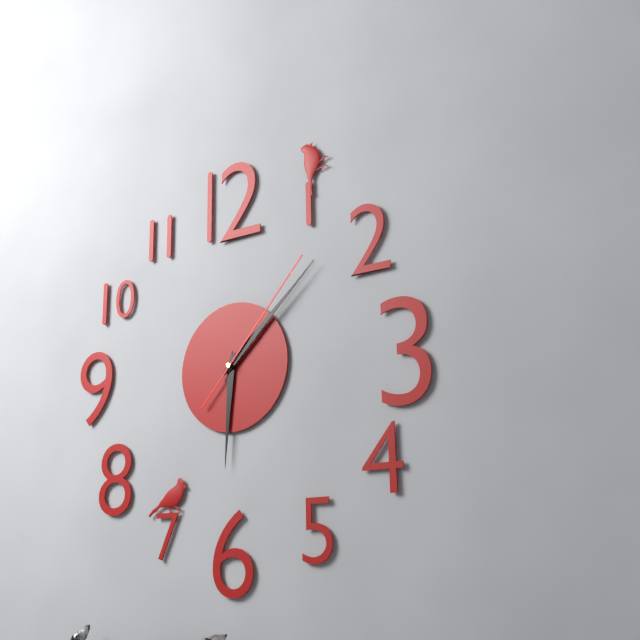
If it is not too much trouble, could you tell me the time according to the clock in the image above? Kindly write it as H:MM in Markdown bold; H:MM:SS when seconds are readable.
**6:08:07**
